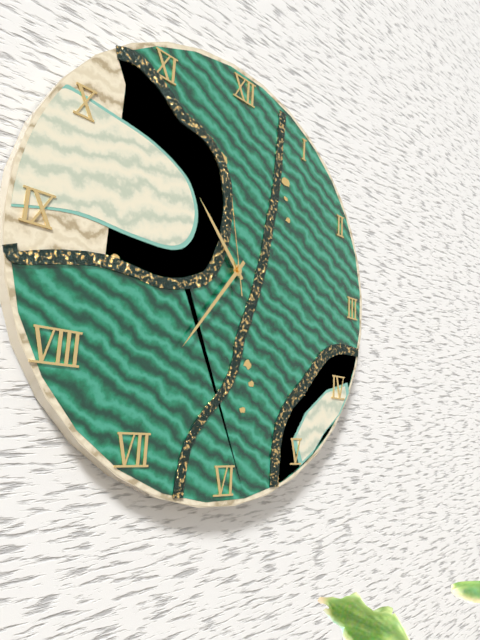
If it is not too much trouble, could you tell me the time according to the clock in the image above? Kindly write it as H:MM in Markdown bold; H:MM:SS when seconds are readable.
**10:36:58**
